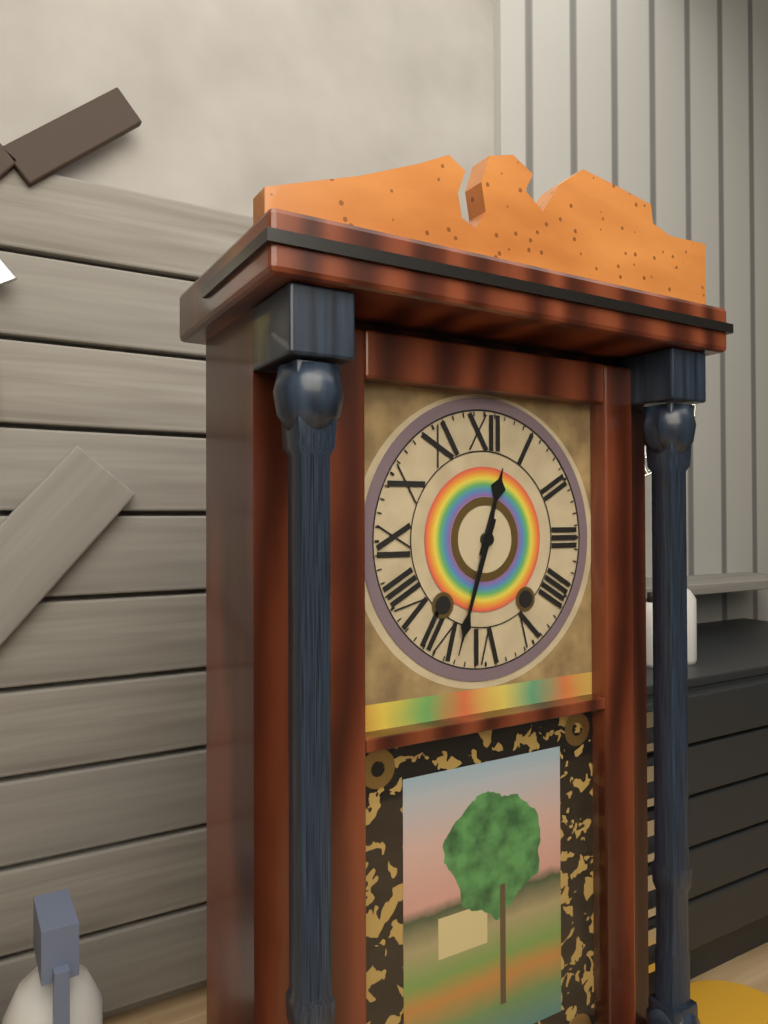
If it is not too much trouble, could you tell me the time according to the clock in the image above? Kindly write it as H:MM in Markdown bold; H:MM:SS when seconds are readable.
**12:33**
